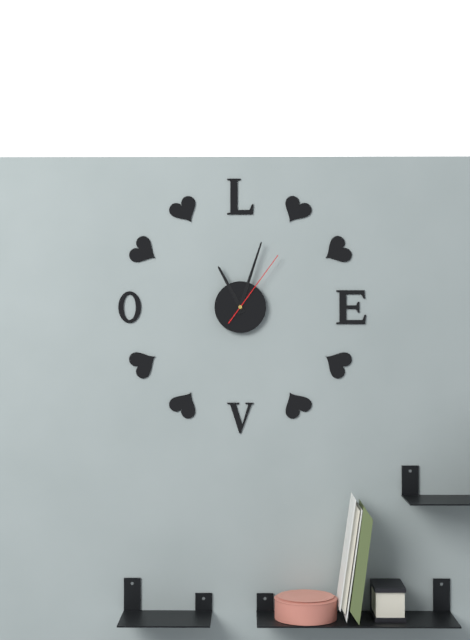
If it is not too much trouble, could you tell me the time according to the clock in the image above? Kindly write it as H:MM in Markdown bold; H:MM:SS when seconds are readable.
**11:03:06**
